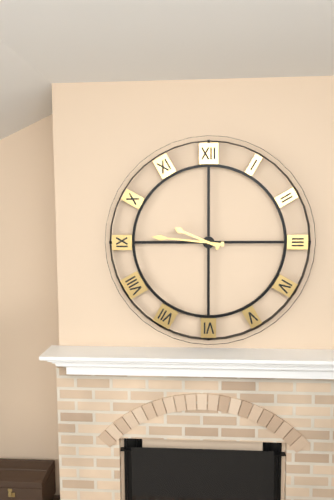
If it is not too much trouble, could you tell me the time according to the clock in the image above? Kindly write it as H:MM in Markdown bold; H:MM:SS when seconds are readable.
**9:46**
